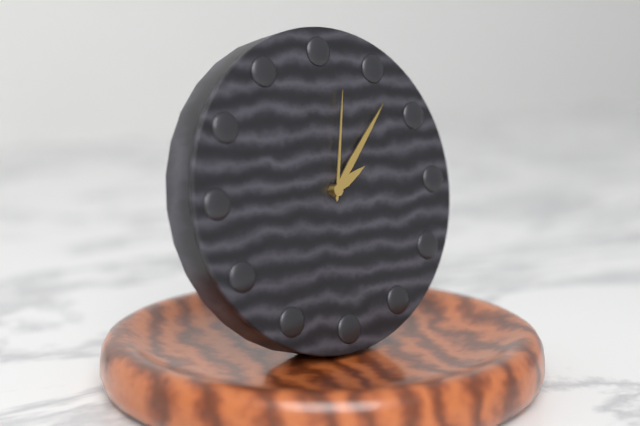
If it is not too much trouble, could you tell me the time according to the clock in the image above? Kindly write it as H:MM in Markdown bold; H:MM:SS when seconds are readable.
**2:07:02**
